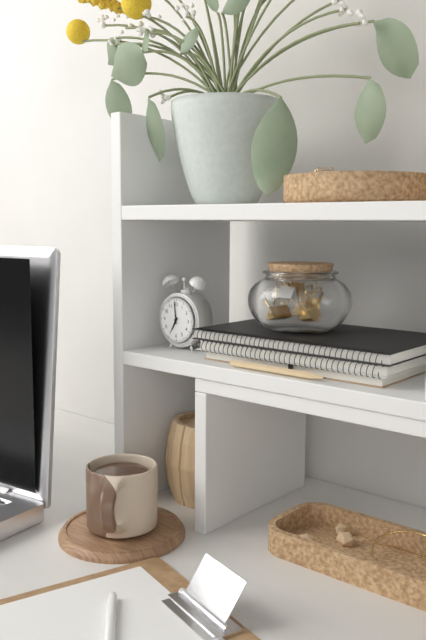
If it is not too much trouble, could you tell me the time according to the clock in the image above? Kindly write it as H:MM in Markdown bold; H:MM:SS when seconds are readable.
**6:59**
